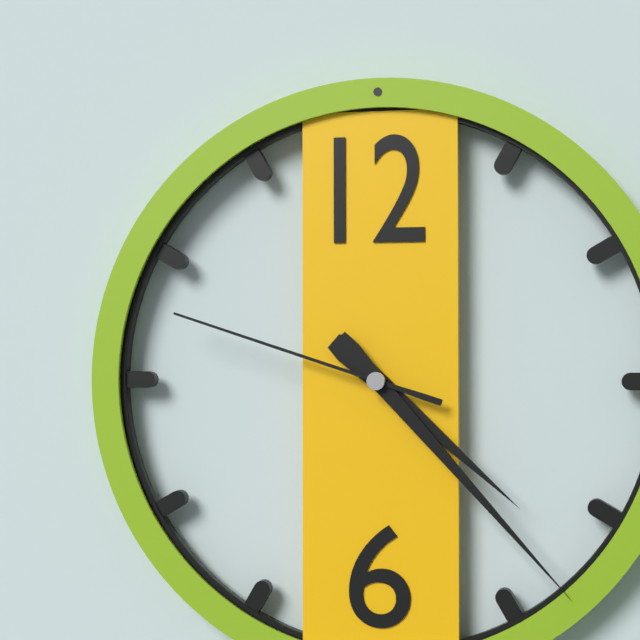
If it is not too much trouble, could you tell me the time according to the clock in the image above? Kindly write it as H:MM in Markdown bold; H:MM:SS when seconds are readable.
**4:23:48**
